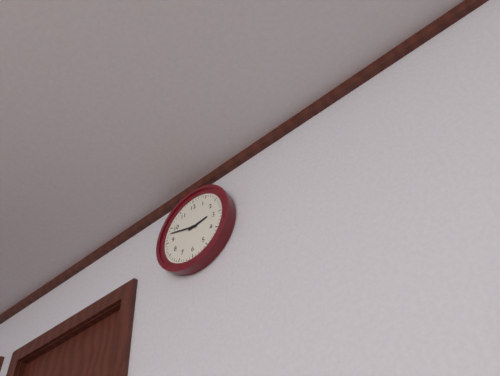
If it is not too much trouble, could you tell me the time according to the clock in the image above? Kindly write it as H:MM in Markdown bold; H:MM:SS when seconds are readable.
**2:48**
